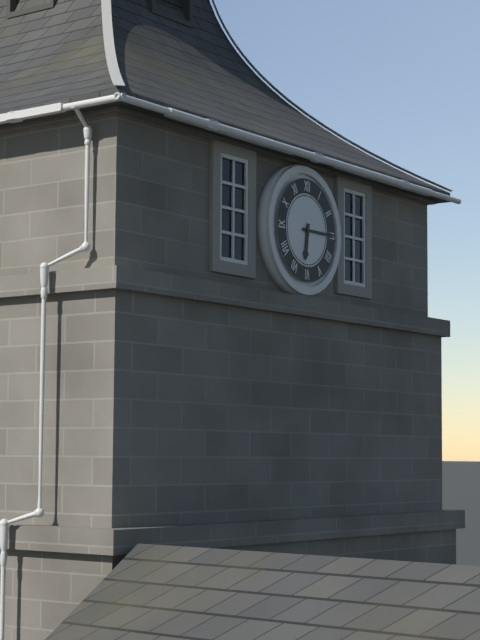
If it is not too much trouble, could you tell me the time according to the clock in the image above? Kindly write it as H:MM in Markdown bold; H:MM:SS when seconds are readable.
**6:15**
